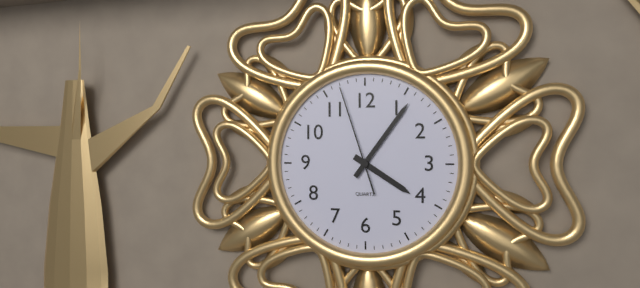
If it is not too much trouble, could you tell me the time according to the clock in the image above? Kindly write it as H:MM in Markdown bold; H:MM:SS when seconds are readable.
**4:06:57**
